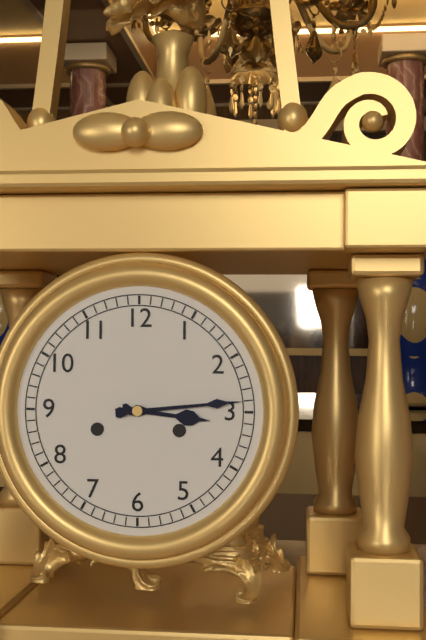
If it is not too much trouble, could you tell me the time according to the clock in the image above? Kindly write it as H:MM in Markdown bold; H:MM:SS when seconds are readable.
**3:14**
